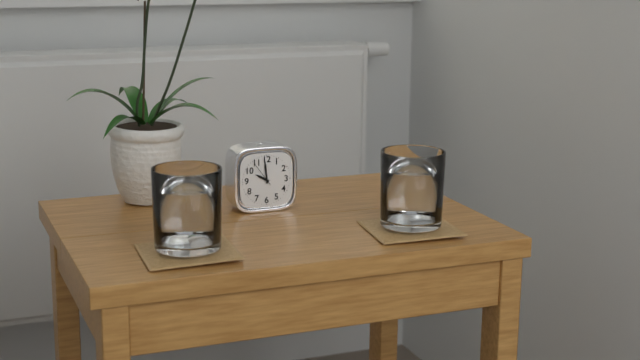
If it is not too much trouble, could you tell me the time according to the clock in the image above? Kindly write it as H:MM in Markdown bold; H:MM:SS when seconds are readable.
**9:59**
